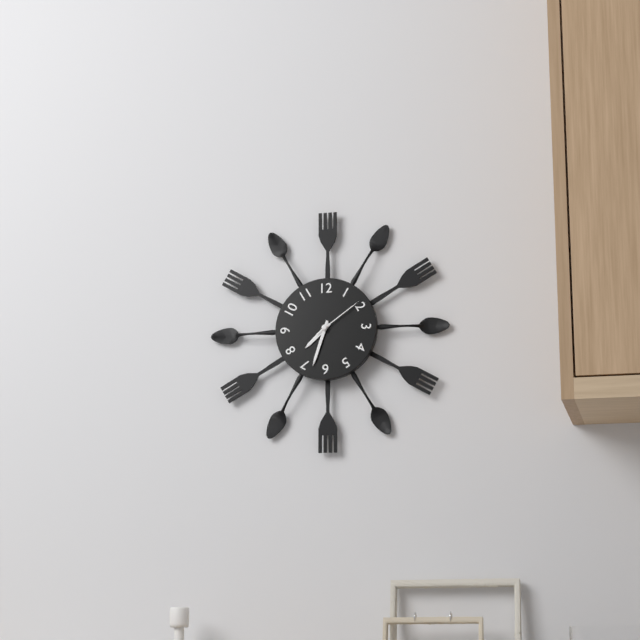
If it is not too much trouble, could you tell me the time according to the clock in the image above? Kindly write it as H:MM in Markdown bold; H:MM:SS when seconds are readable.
**7:33:09**
